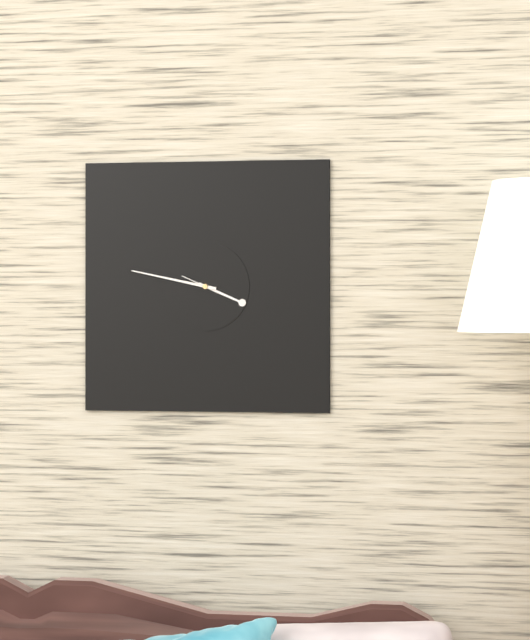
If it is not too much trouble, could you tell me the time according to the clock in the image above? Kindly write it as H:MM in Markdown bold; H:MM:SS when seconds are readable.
**3:47**
